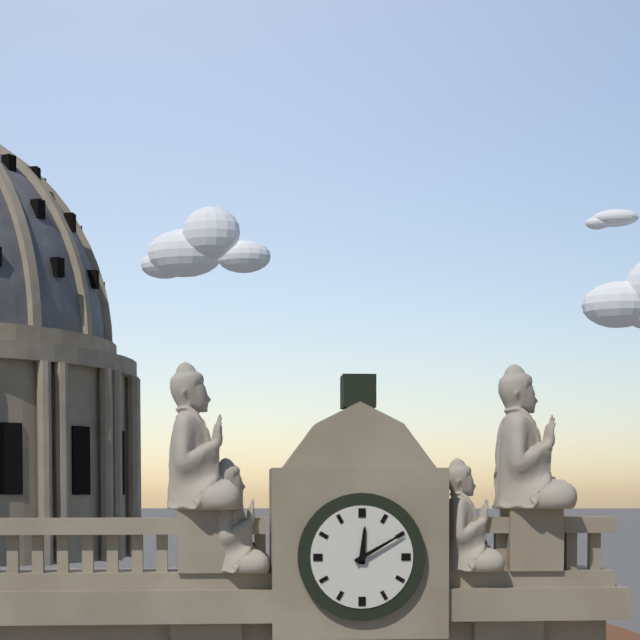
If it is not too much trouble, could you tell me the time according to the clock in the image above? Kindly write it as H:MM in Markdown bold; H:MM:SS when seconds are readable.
**12:10**
